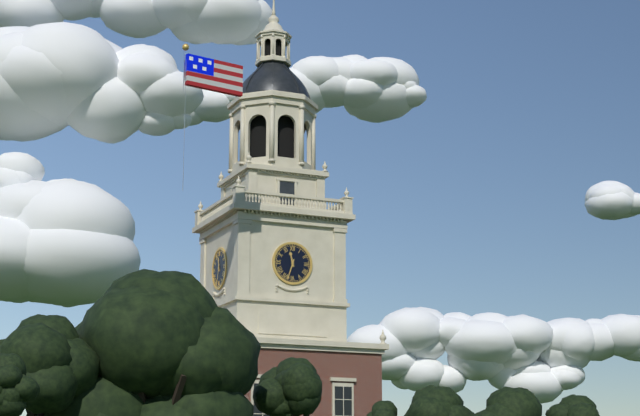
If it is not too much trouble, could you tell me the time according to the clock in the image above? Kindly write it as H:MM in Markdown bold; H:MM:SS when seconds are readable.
**11:33**
